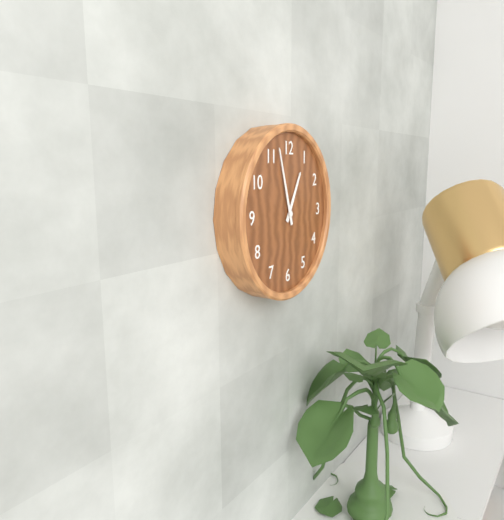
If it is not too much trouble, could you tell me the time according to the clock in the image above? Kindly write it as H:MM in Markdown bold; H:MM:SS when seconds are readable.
**12:57**
